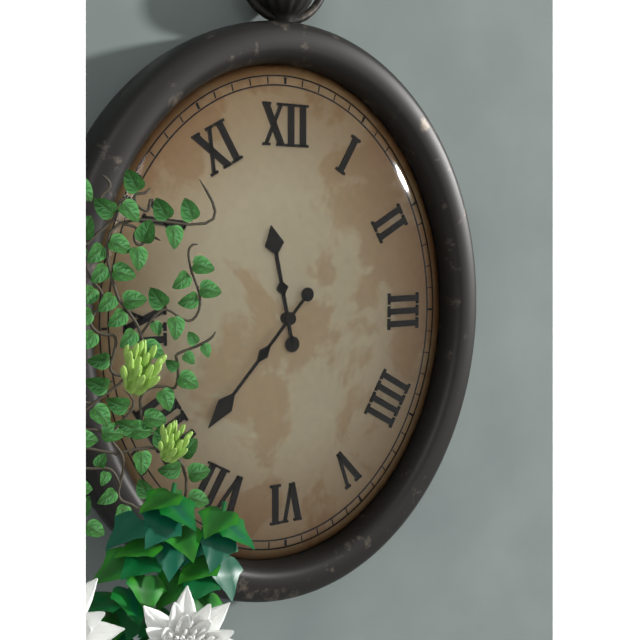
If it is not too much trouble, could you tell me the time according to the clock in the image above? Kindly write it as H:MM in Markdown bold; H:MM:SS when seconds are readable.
**11:37**
